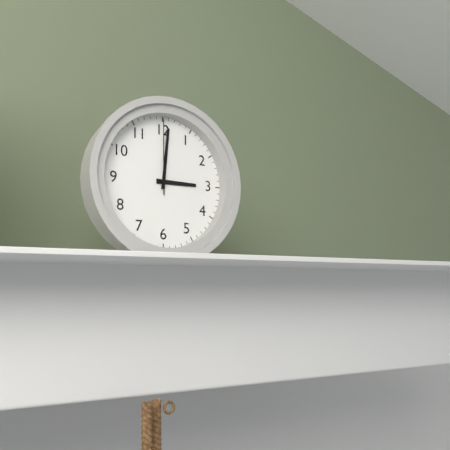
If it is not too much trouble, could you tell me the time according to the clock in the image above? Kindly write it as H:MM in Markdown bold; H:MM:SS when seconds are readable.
**3:01:00**
